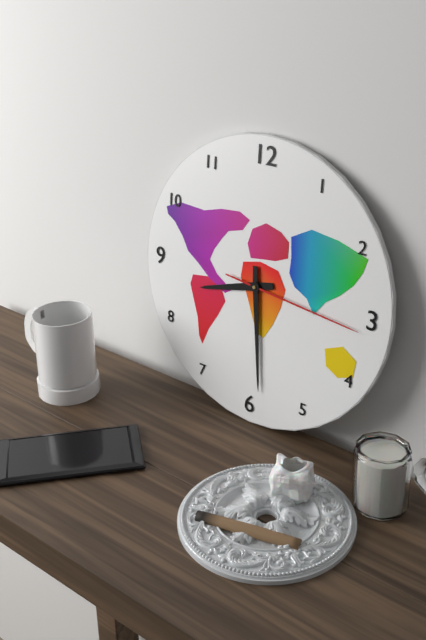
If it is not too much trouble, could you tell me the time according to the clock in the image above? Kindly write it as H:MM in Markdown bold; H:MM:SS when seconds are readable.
**8:29:16**
